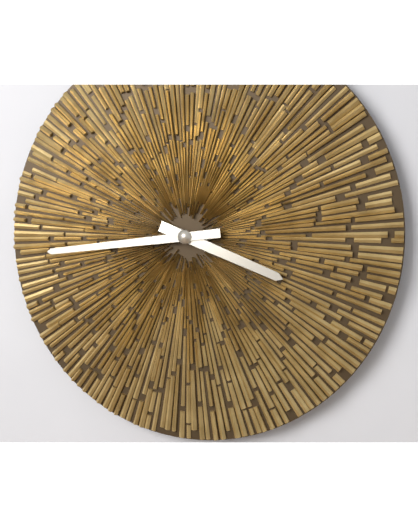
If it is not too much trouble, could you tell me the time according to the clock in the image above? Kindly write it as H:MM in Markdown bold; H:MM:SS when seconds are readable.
**3:44**
